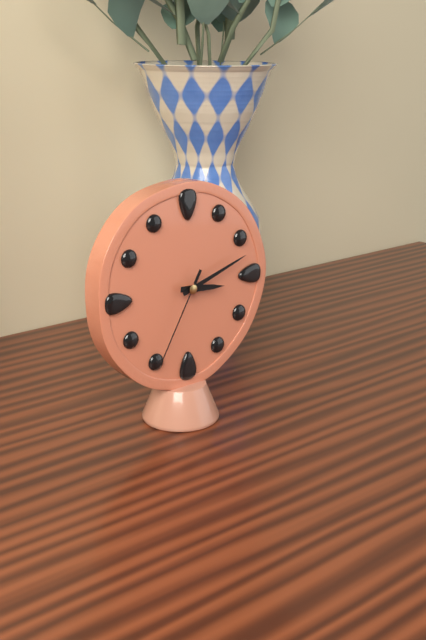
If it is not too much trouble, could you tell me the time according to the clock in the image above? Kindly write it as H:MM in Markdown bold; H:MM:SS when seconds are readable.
**3:12:35**
